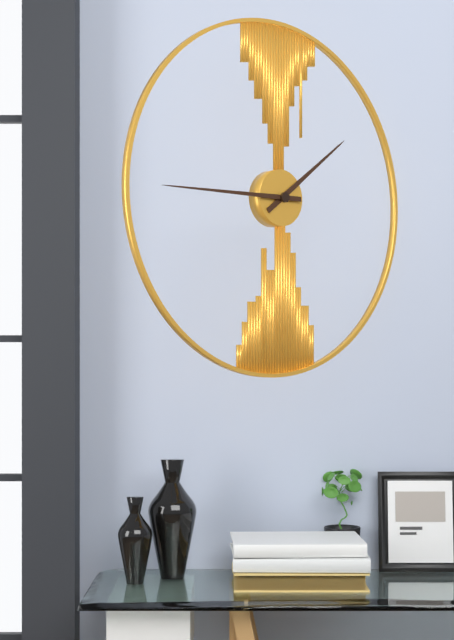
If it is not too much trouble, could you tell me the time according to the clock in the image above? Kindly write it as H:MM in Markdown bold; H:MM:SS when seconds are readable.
**1:45**
